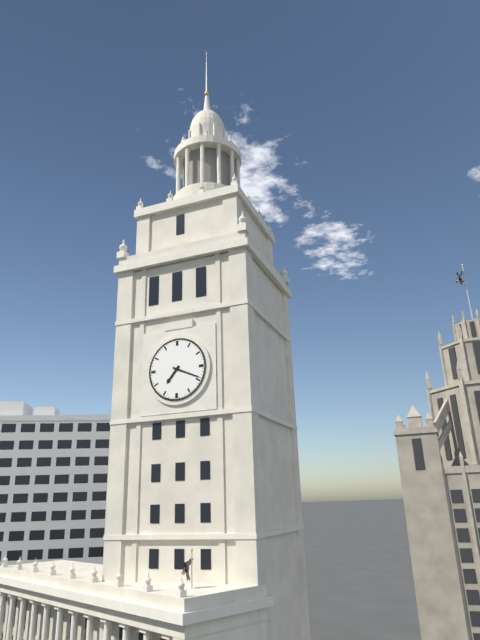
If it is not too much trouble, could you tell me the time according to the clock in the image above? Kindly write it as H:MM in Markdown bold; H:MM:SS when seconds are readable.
**7:19**
